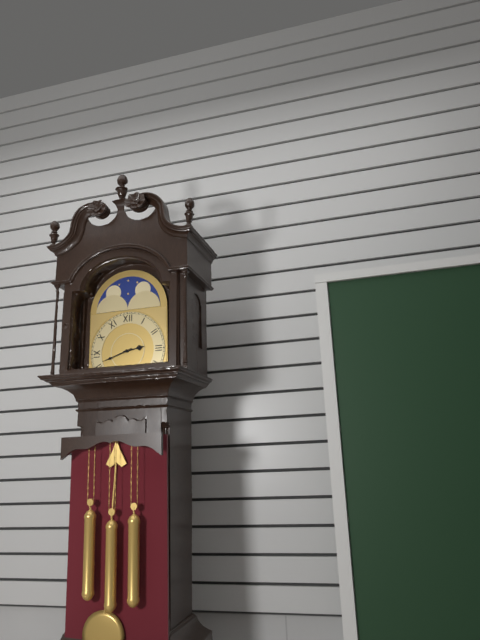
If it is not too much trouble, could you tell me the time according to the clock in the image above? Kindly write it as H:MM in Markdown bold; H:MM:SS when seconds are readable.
**2:42**
